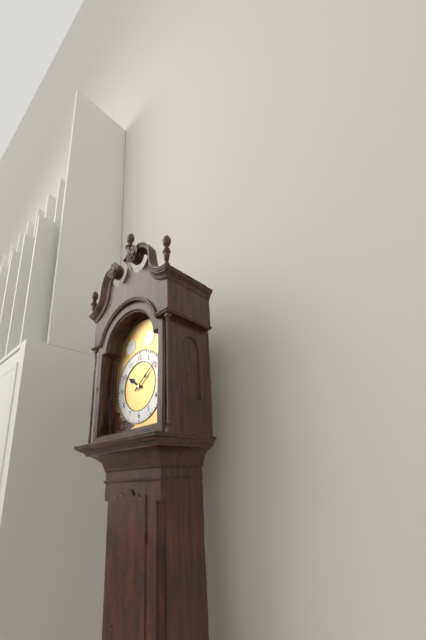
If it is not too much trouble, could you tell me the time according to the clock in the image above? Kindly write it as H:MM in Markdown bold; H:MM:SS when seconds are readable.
**10:09**
